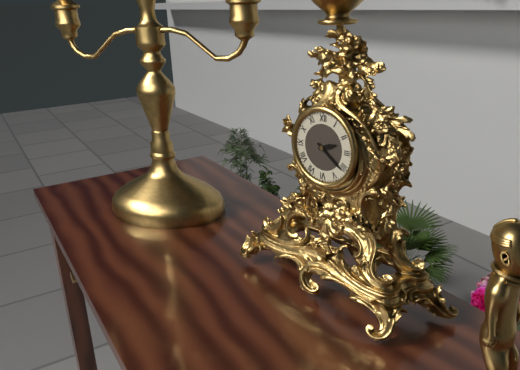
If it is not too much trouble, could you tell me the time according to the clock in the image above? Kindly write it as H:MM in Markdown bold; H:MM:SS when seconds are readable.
**2:21**
